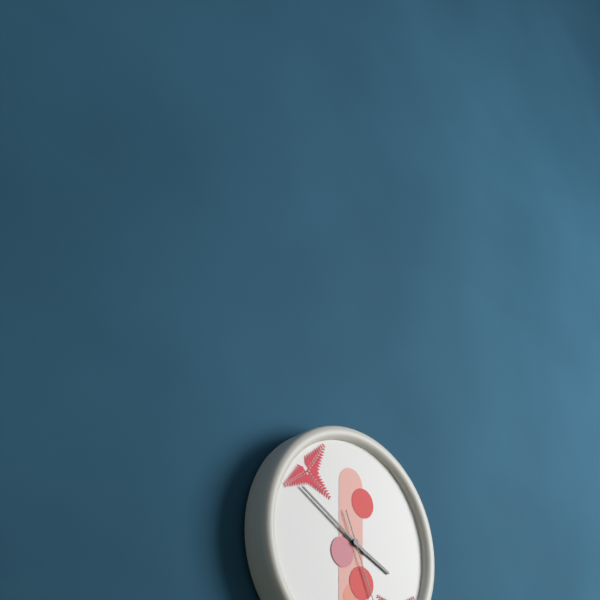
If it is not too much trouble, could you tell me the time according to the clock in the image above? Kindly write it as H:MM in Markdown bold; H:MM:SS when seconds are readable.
**3:50**
